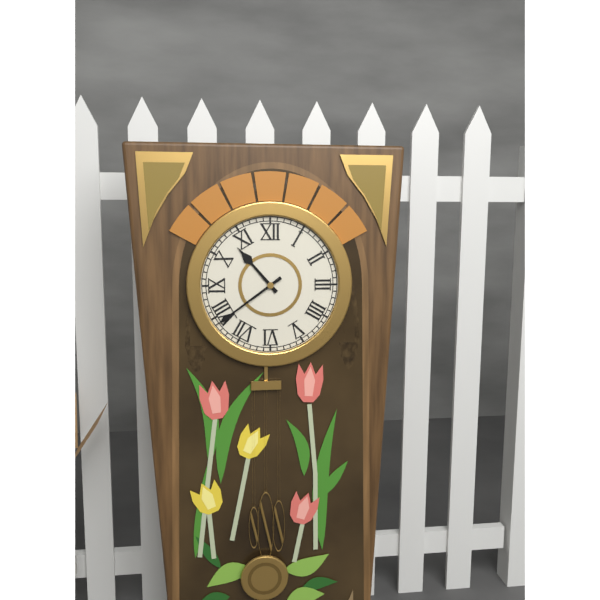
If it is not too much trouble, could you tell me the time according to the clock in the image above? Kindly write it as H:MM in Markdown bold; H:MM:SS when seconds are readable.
**10:39**
